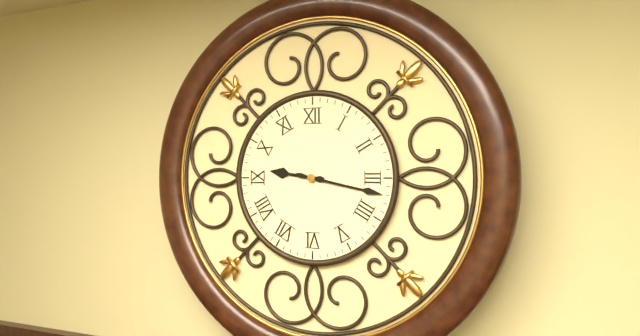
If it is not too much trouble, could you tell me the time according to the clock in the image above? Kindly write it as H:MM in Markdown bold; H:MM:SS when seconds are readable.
**9:17**
